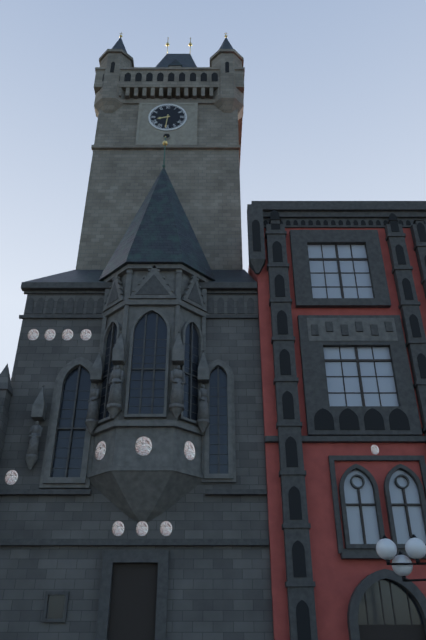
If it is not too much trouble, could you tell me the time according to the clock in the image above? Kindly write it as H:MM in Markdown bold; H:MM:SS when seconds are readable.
**8:31**
